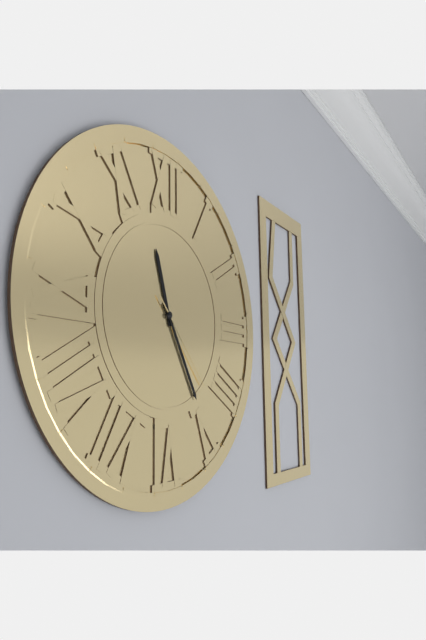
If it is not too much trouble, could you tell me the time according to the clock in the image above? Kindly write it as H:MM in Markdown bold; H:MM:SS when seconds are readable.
**11:25:23**
